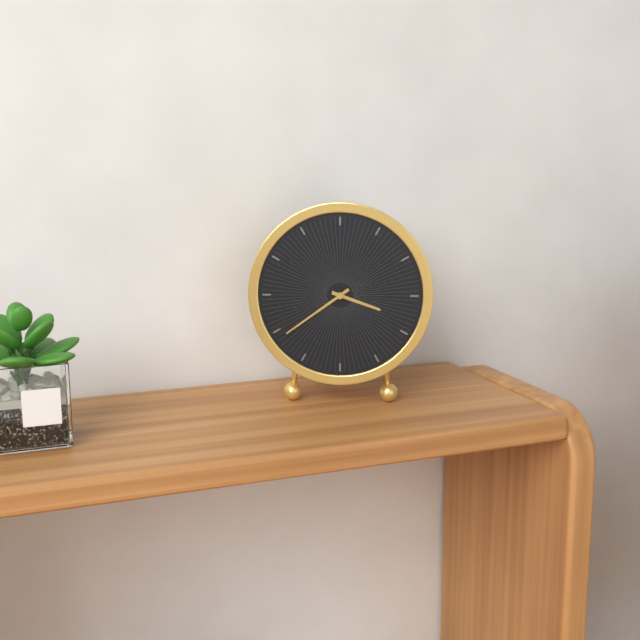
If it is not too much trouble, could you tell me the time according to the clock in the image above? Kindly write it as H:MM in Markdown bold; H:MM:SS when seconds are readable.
**3:39**
